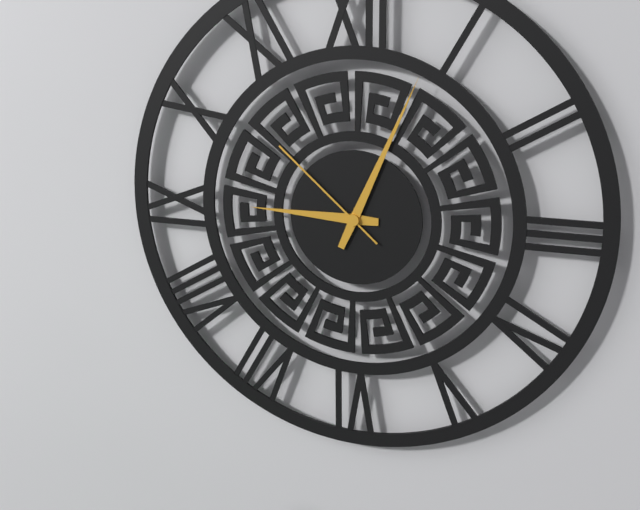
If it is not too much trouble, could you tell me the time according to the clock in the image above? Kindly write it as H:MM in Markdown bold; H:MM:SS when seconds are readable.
**9:04:52**
